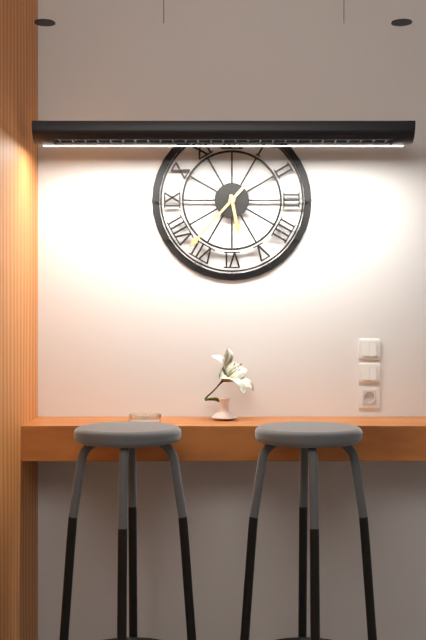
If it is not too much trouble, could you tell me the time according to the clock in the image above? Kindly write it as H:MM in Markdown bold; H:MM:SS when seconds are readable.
**5:37**
